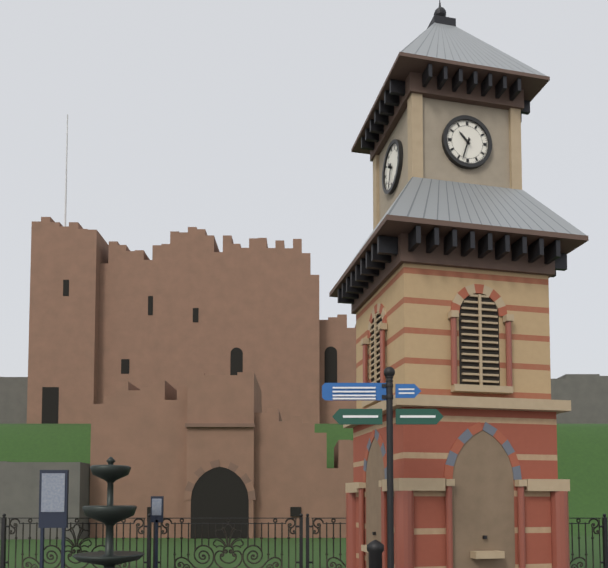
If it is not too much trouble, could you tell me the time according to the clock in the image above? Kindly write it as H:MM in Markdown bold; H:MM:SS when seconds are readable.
**10:33**
